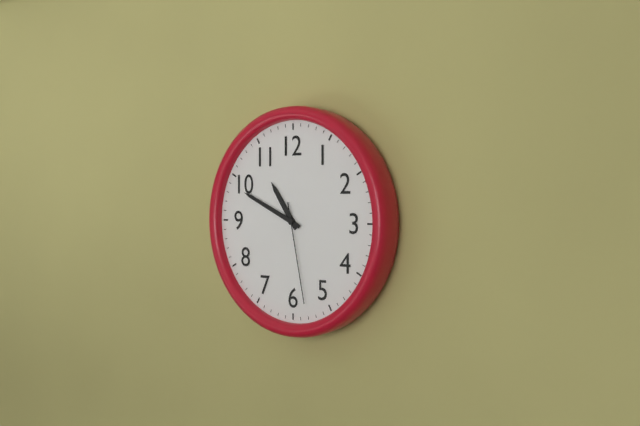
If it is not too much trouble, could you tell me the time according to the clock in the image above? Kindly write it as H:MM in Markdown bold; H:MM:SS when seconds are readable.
**10:49:28**
